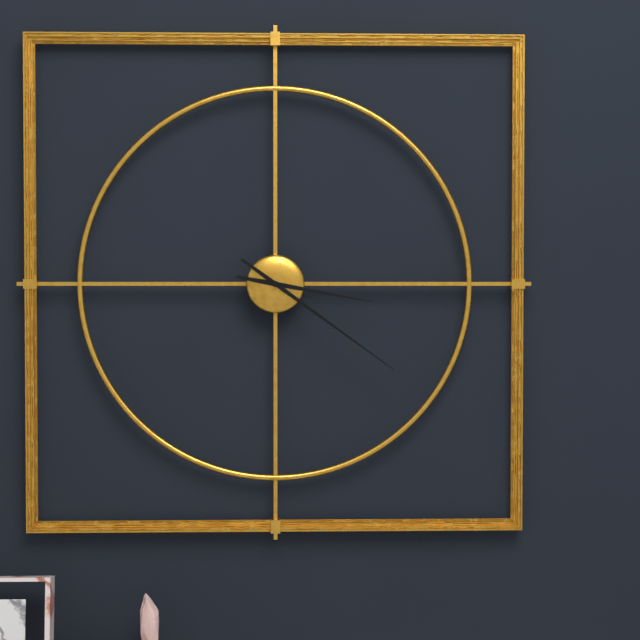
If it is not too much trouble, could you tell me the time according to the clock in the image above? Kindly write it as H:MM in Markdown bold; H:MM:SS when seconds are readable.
**3:21**
